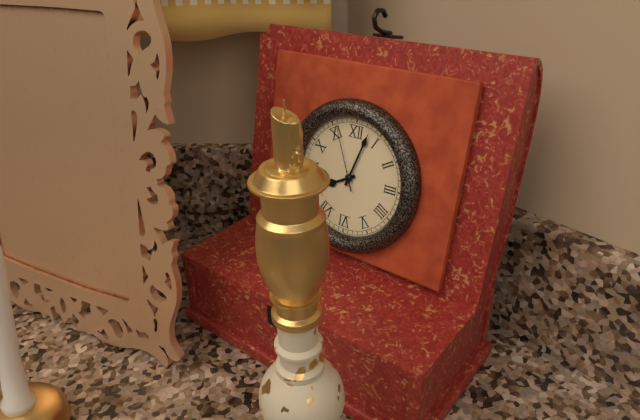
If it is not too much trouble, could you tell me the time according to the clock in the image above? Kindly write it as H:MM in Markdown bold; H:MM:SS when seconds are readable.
**8:03:56**
